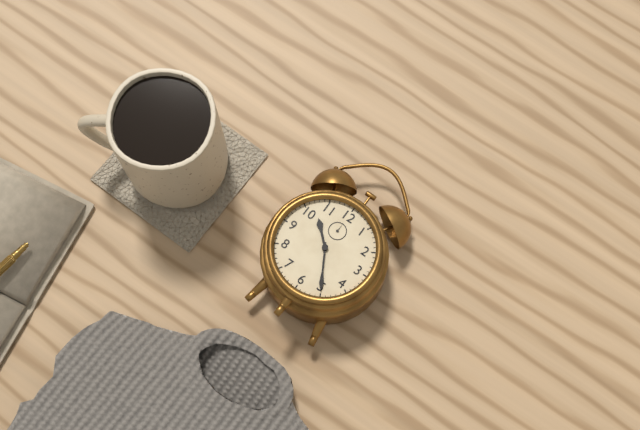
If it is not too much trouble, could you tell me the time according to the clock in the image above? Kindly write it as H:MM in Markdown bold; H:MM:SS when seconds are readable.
**10:25**
